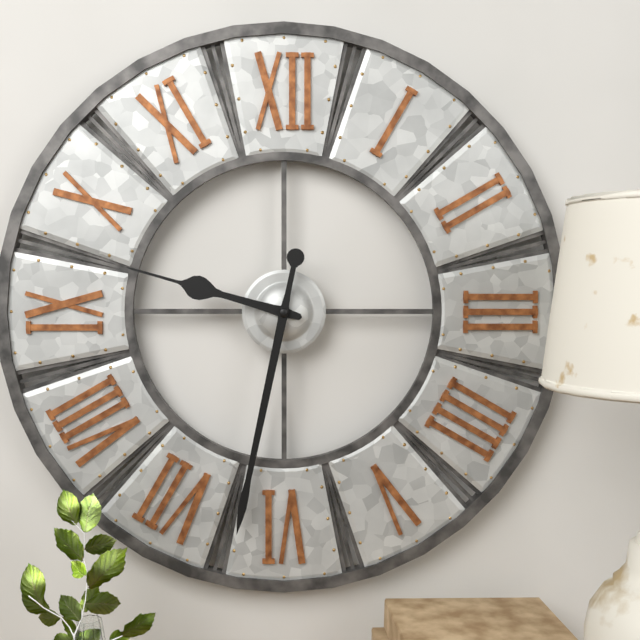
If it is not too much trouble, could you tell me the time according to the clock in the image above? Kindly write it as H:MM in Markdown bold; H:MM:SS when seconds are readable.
**9:32**
